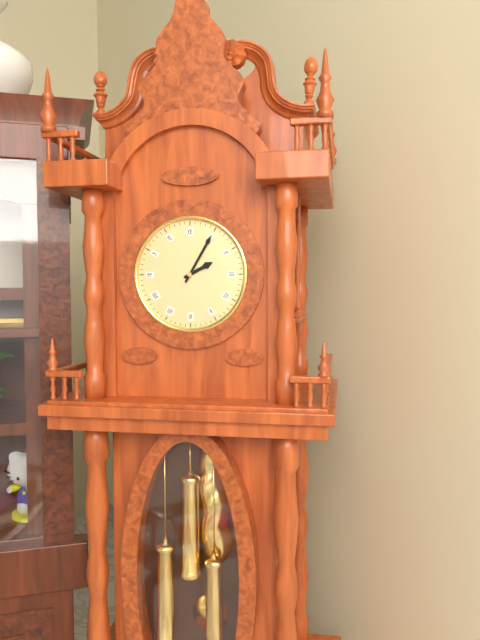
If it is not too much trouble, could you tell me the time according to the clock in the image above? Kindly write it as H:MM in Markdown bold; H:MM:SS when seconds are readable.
**2:05**
